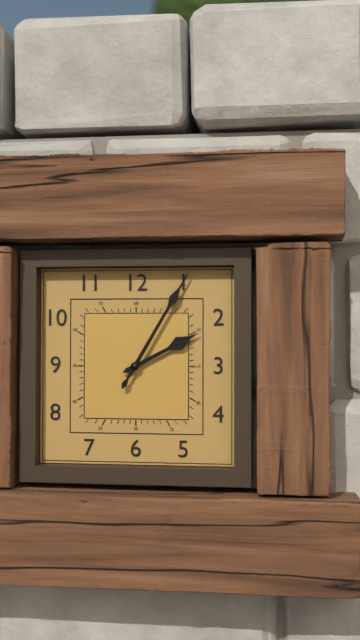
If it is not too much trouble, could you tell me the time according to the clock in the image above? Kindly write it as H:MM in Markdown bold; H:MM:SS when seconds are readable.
**2:05**
